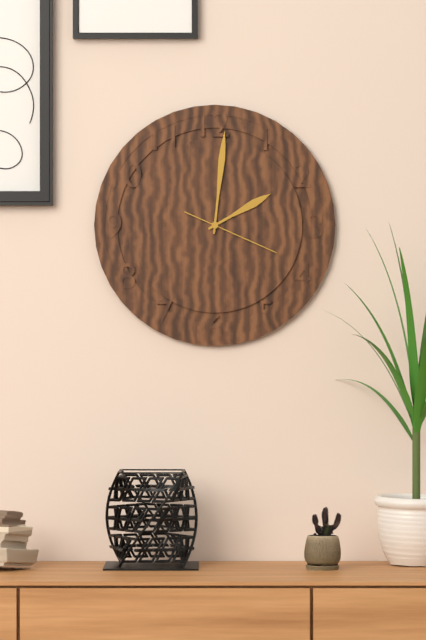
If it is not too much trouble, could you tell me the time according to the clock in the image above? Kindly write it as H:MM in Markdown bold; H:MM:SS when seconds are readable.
**2:01:19**
